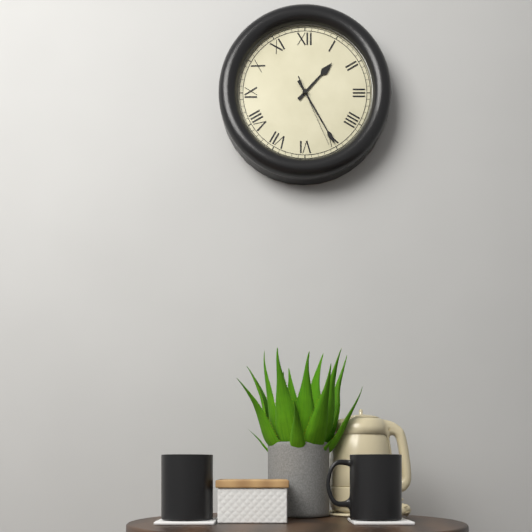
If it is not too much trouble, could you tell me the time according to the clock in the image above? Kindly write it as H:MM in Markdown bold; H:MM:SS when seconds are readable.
**1:25:26**
